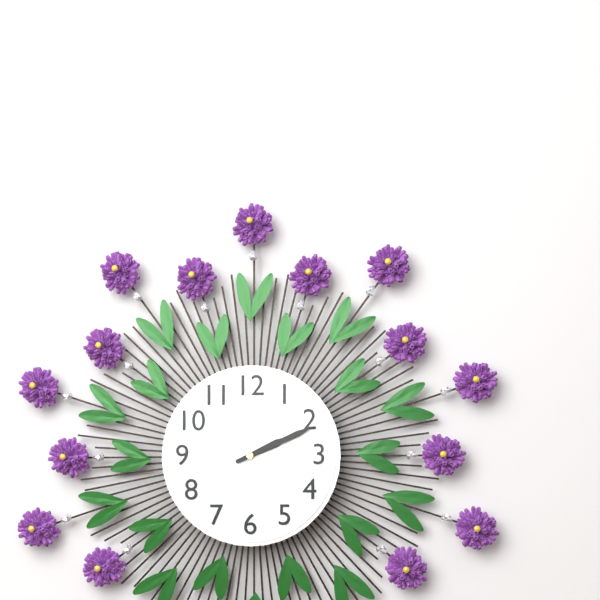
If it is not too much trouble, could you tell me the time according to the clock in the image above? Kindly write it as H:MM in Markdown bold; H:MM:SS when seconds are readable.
**2:11**
